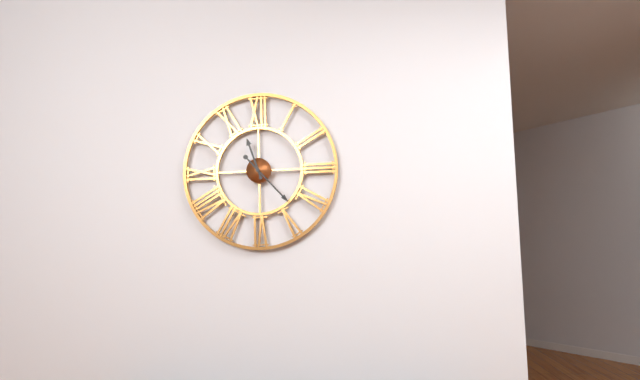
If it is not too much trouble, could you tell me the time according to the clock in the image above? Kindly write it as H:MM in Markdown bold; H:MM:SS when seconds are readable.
**11:23**
